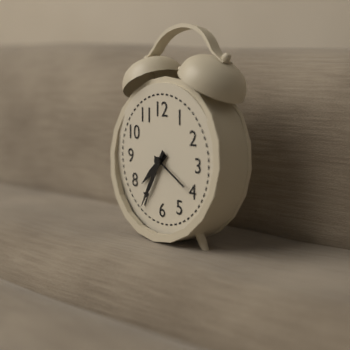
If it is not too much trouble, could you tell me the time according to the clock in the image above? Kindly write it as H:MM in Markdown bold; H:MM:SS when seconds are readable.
**7:35**
